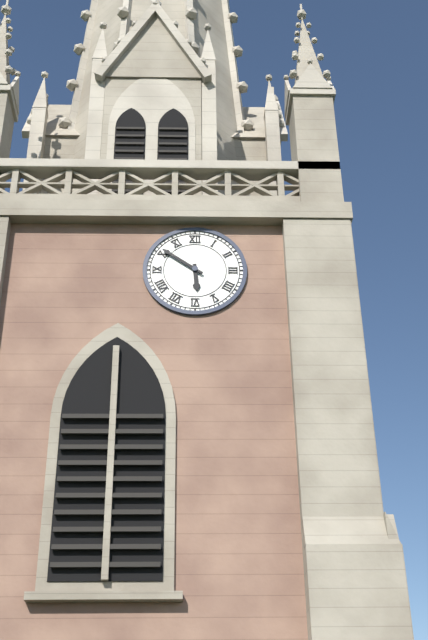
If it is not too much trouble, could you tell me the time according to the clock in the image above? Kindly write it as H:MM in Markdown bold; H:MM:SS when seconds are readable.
**5:51**
